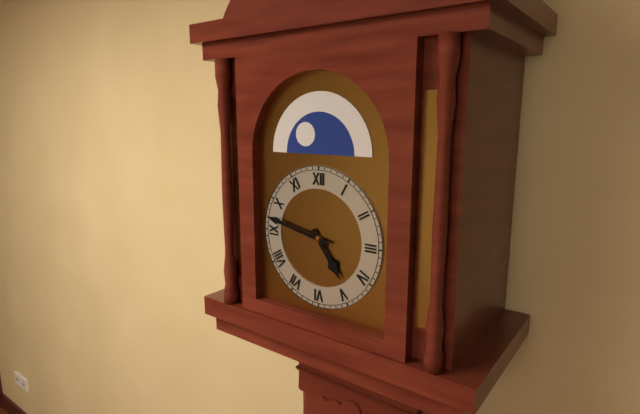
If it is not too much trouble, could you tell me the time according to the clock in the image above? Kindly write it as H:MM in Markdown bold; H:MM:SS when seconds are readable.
**4:47**
